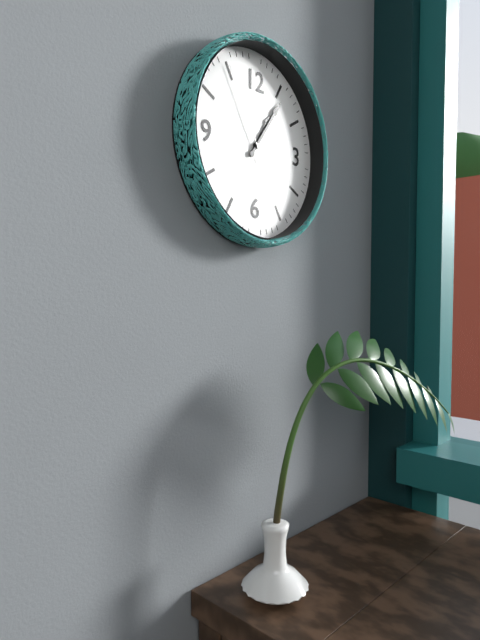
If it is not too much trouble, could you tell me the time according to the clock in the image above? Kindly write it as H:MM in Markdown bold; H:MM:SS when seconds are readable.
**1:06:55**
